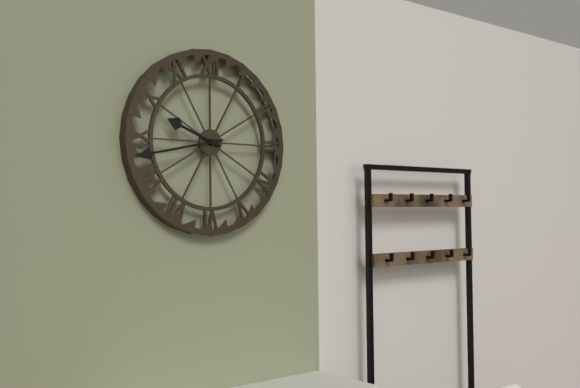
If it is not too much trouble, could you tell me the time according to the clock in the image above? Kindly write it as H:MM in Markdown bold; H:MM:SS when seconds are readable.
**9:43**
